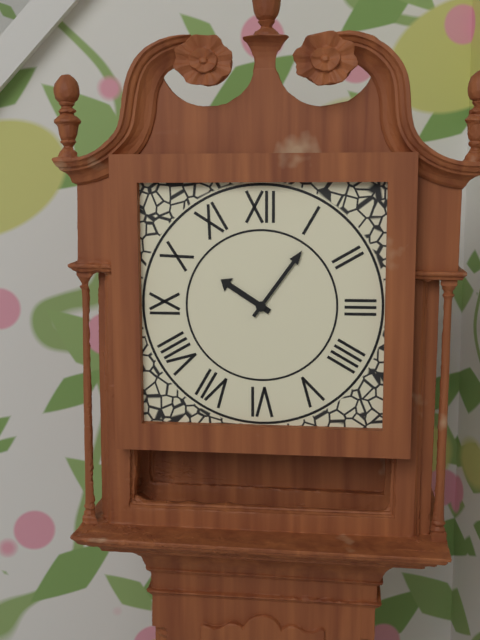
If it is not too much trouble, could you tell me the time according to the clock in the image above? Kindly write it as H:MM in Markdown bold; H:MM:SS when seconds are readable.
**10:06**
